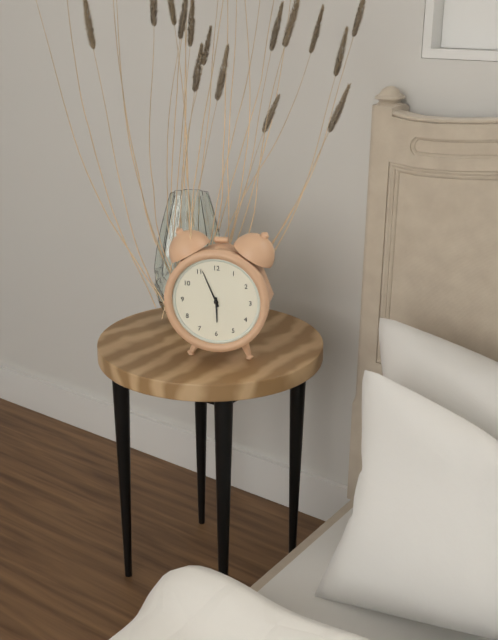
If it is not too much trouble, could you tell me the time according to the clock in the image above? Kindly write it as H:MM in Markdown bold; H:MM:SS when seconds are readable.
**5:56**
